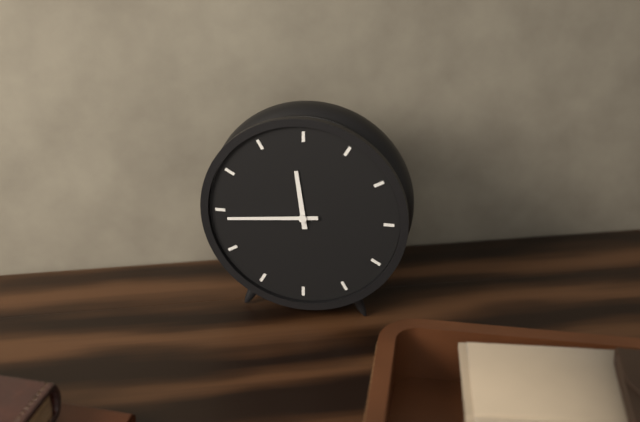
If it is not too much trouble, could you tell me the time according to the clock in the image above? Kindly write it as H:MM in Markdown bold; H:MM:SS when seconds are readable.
**11:44**
